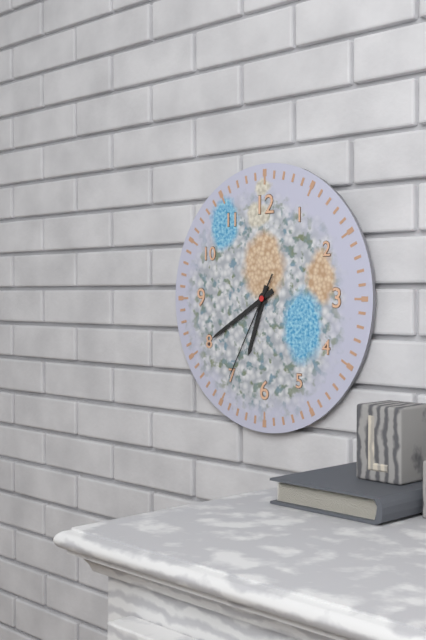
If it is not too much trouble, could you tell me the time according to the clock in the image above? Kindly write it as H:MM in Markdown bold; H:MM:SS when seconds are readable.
**6:40:35**
